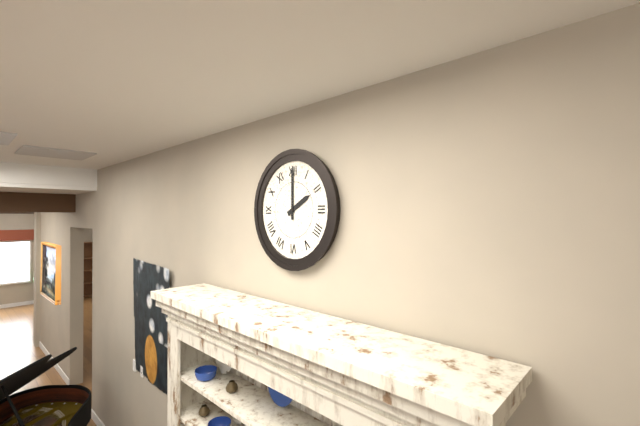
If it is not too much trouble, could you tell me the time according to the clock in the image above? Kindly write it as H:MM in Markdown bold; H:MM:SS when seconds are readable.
**2:00**
